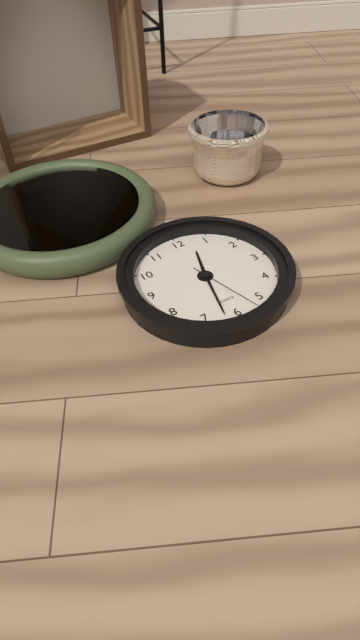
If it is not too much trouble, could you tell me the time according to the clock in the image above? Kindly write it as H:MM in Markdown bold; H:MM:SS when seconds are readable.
**12:32:27**
